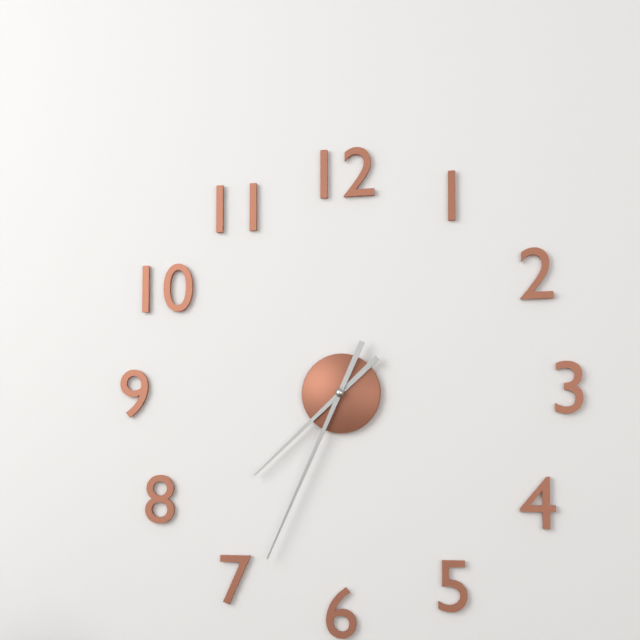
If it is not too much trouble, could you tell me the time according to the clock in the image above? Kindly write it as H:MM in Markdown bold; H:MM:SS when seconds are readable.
**7:34**
